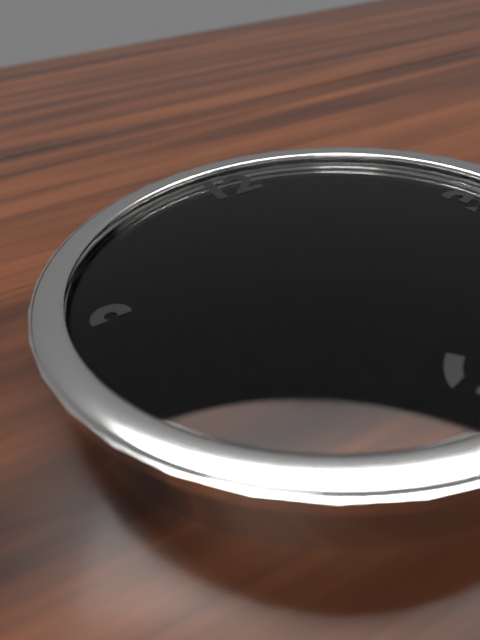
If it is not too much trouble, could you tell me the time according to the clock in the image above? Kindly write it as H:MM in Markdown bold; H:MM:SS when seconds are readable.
**3:07**
